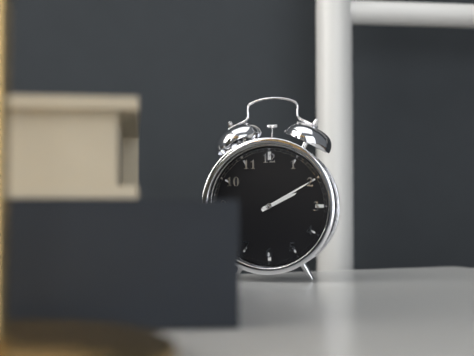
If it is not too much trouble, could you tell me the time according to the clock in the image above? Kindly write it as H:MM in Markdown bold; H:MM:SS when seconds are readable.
**2:10**
